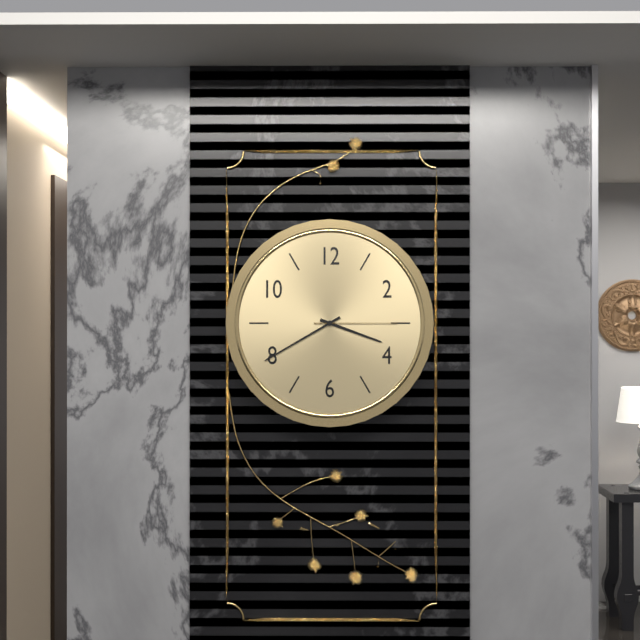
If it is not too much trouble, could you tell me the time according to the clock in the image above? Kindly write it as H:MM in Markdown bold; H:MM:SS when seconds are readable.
**3:40:15**
